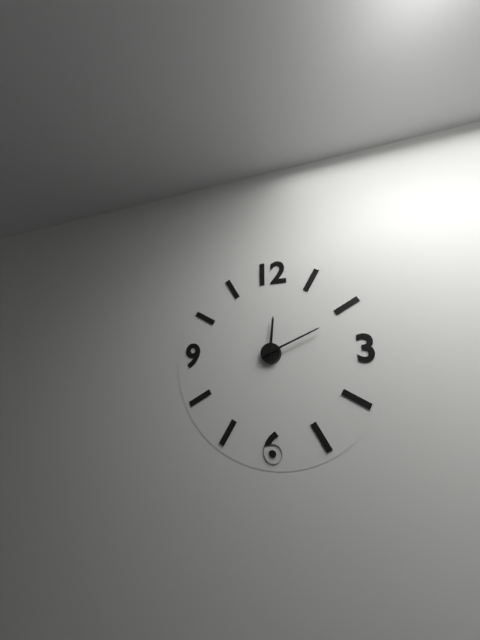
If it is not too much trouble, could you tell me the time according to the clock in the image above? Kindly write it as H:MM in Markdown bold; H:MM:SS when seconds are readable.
**12:11**
